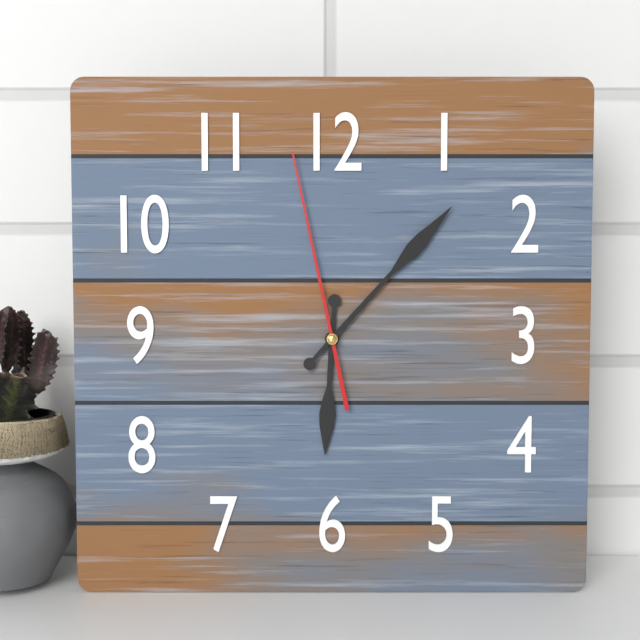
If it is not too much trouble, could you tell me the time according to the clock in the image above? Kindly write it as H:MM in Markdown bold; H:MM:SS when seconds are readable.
**6:07:58**
